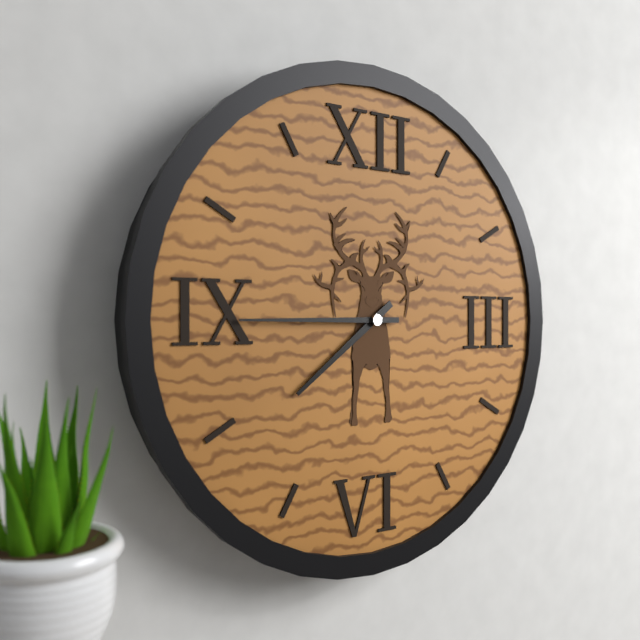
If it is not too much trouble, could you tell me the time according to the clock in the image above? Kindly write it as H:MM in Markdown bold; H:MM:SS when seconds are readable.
**7:45**
